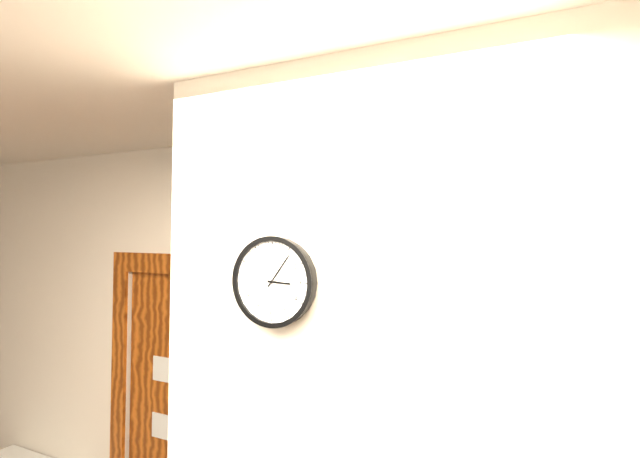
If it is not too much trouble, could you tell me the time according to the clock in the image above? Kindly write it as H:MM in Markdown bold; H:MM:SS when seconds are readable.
**3:06**
